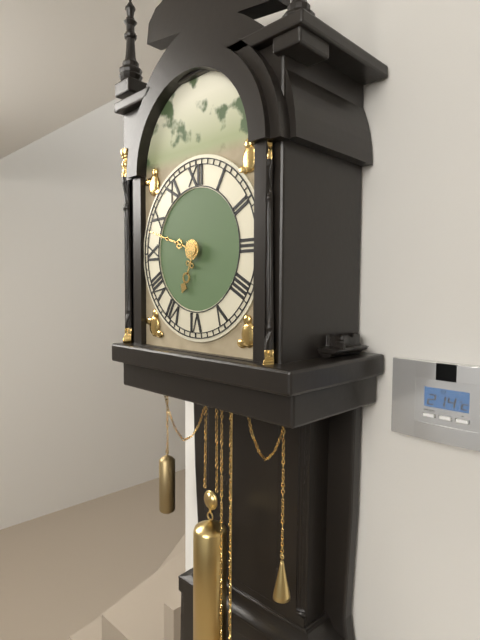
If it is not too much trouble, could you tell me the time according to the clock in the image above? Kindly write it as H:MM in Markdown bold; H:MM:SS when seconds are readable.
**6:48**
